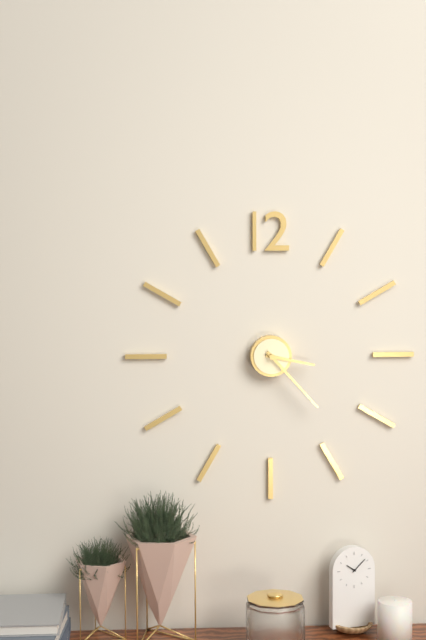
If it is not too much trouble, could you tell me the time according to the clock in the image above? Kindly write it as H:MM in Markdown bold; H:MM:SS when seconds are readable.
**3:23**
